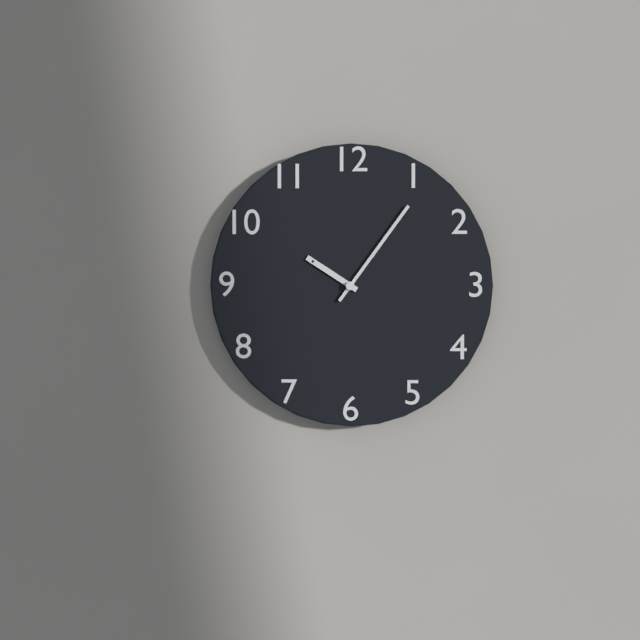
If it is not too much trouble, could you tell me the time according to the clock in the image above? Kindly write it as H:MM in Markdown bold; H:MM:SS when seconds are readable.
**10:06**
